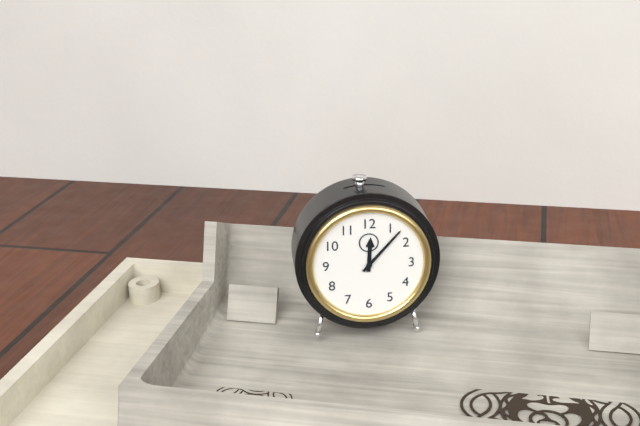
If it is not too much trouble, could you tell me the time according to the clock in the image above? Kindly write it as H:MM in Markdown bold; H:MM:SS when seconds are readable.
**12:07**
